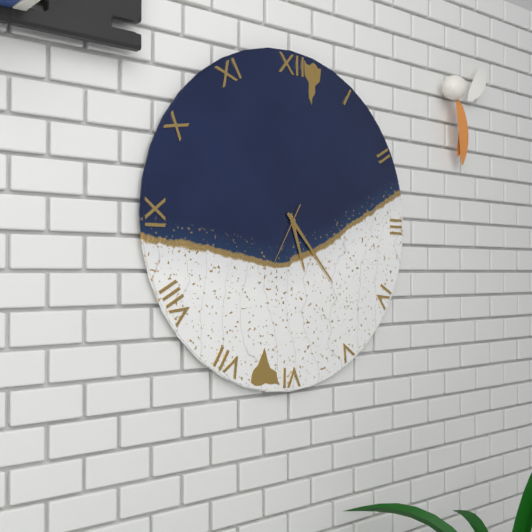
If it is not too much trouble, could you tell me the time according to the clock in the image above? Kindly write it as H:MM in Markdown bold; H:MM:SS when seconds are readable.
**5:23:35**
